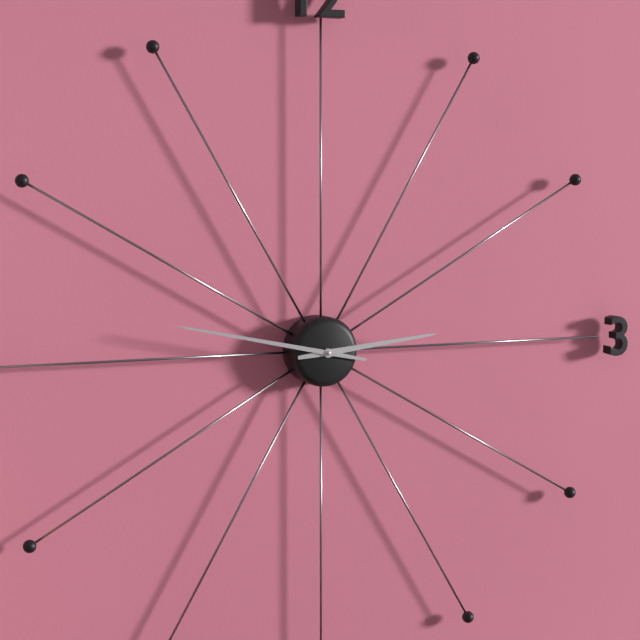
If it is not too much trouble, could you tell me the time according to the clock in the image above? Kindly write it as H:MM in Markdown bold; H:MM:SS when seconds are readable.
**2:47**
